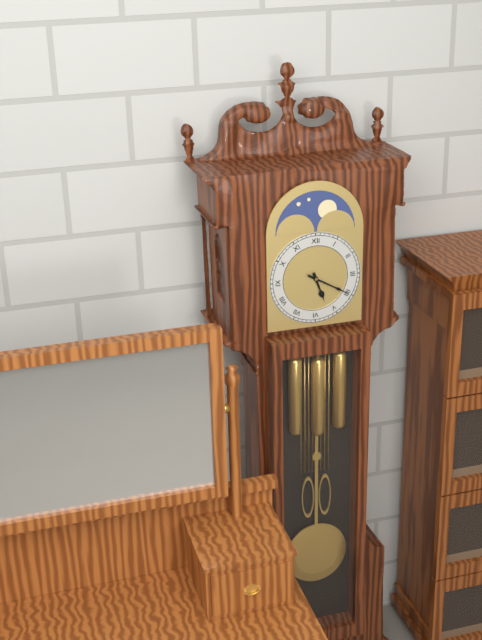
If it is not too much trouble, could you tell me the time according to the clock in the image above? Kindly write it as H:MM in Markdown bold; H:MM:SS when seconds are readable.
**5:20**
